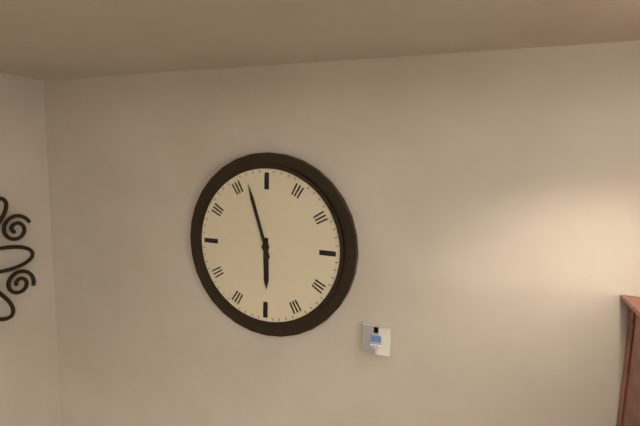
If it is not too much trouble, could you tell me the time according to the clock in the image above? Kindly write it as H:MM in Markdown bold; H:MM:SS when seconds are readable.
**5:57**
